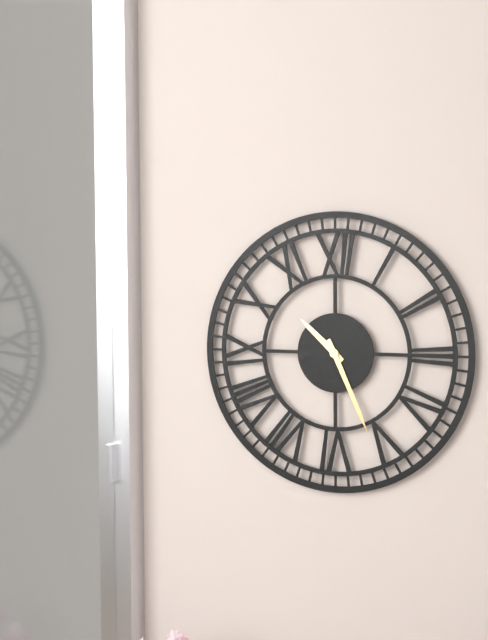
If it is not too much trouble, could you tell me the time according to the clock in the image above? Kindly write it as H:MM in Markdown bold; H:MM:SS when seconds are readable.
**10:26**
